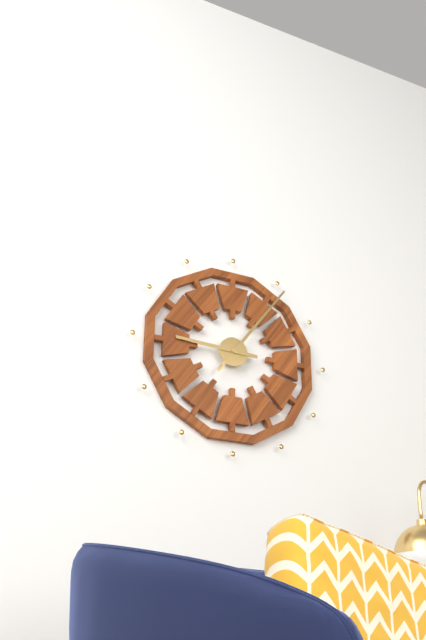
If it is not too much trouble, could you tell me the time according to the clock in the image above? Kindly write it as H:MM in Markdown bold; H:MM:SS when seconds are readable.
**9:06**
